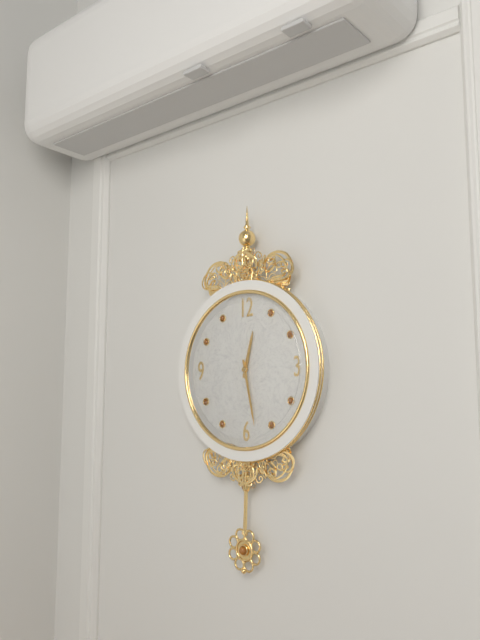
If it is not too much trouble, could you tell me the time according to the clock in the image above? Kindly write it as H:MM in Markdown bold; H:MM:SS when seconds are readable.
**12:28**
